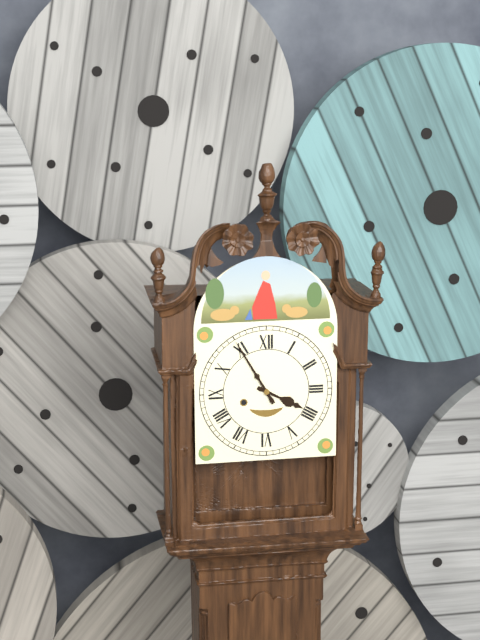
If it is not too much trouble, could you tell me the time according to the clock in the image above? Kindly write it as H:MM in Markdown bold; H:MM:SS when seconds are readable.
**3:55**
